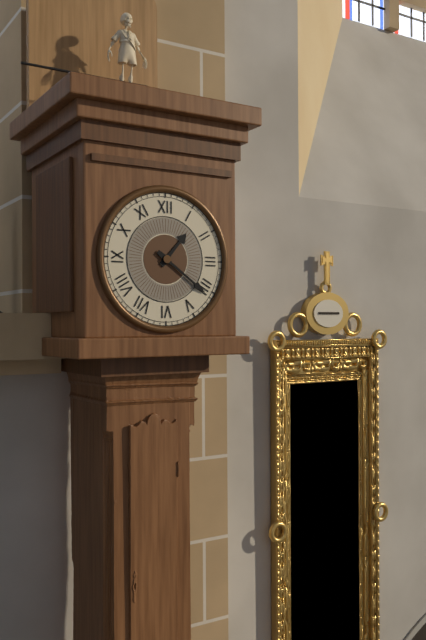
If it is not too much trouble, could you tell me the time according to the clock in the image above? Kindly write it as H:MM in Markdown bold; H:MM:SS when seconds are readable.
**1:21**
